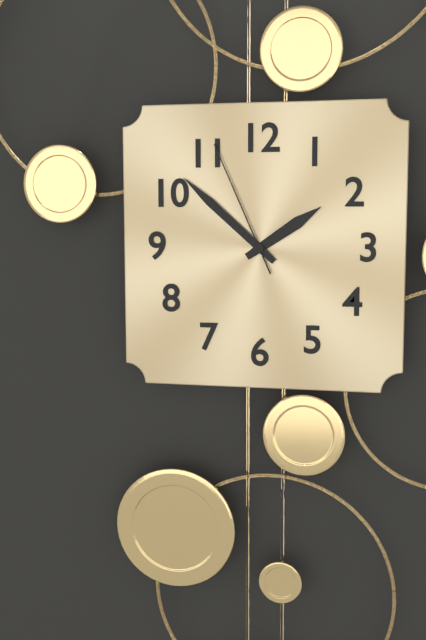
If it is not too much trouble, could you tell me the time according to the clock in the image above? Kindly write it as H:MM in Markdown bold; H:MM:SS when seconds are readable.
**1:52:56**
